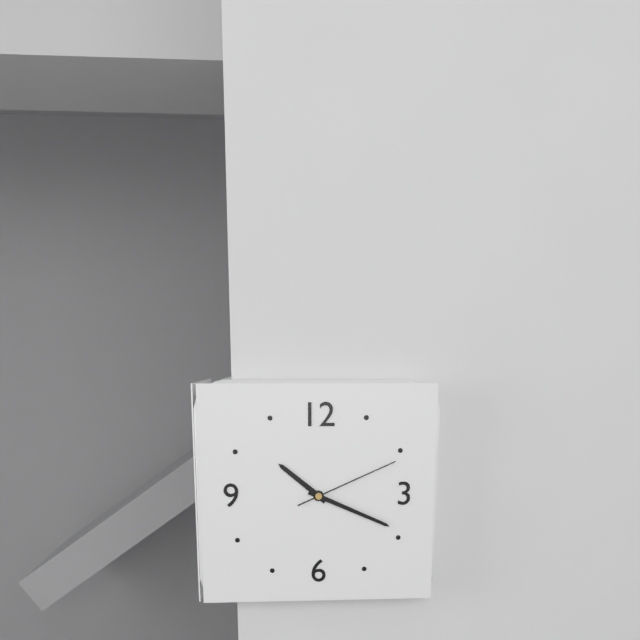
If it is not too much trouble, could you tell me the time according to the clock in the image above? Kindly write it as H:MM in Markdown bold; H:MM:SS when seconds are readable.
**10:19:11**
